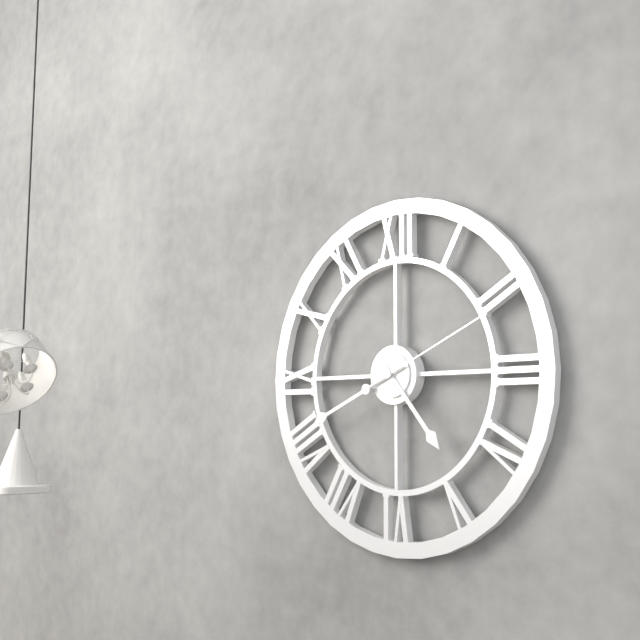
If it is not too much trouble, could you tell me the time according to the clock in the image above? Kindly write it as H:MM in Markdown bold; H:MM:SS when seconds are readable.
**4:41:11**
